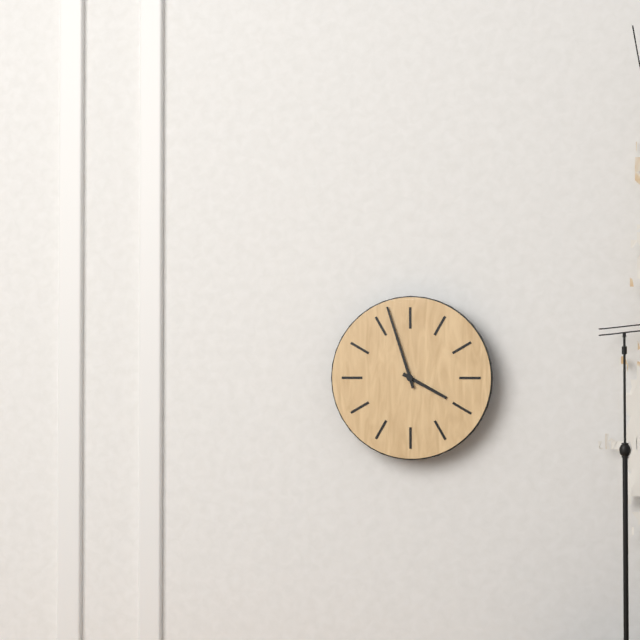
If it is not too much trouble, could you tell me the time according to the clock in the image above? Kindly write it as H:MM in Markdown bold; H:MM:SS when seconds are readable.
**3:57**
